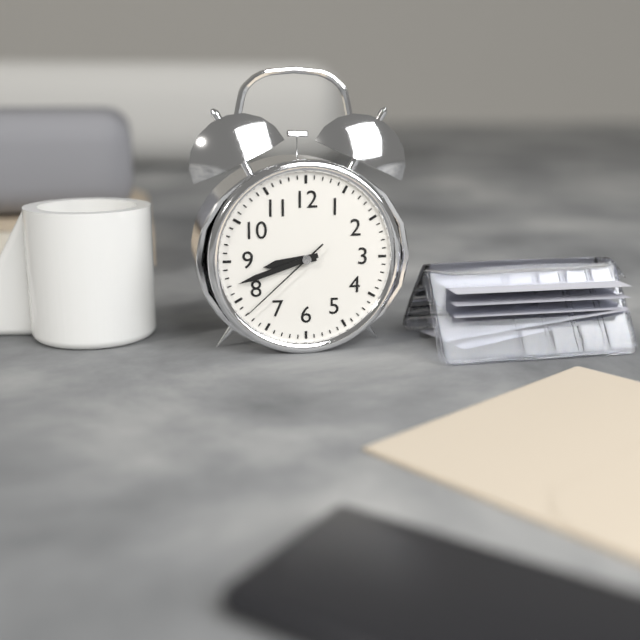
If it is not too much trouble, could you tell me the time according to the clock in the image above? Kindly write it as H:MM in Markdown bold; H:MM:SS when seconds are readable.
**8:42:38**
